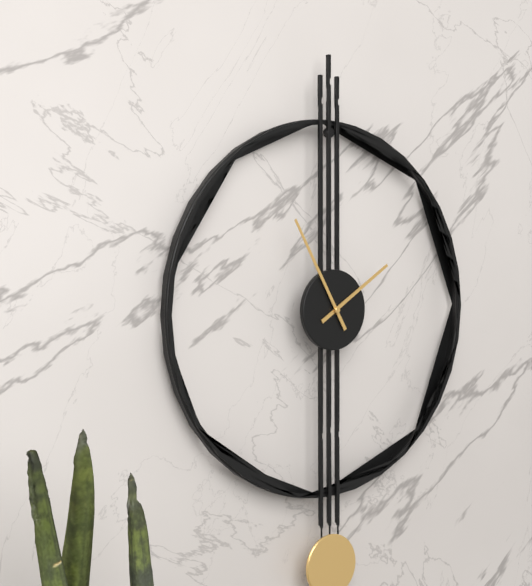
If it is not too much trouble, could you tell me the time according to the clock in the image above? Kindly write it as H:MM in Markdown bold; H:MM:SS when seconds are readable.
**1:55**
